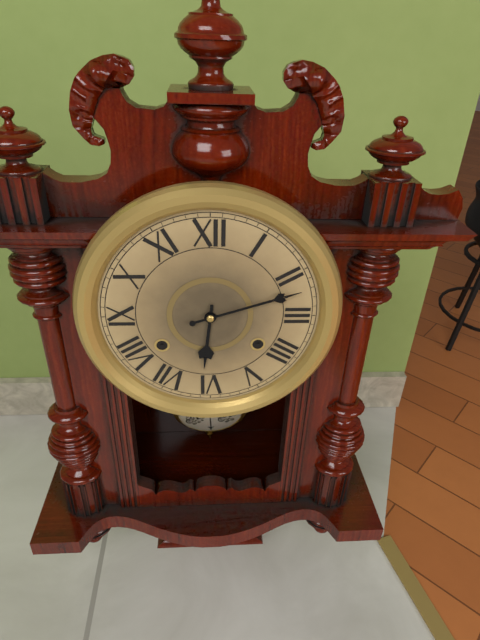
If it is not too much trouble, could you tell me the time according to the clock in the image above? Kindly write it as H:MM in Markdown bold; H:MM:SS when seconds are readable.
**6:12**
